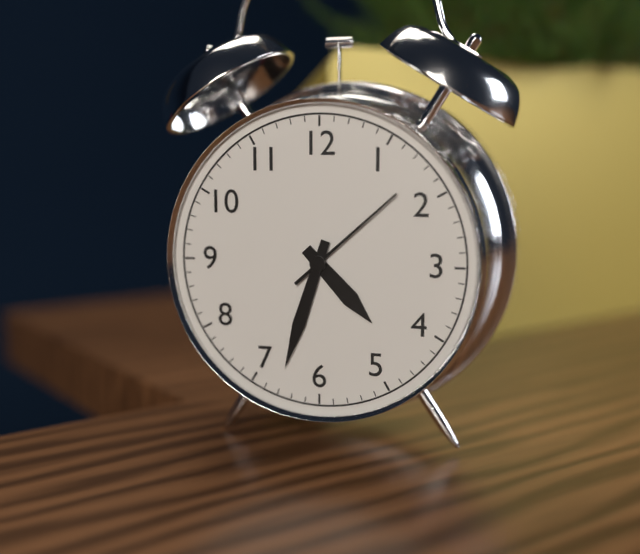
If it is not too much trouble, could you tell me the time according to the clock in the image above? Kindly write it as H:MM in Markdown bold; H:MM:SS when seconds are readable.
**4:33:08**
